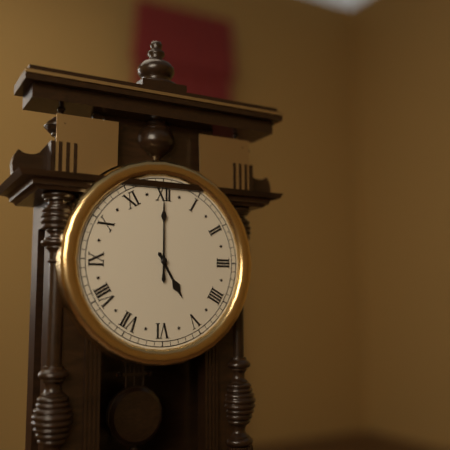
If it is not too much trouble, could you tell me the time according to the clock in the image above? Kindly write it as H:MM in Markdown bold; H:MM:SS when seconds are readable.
**5:00**
